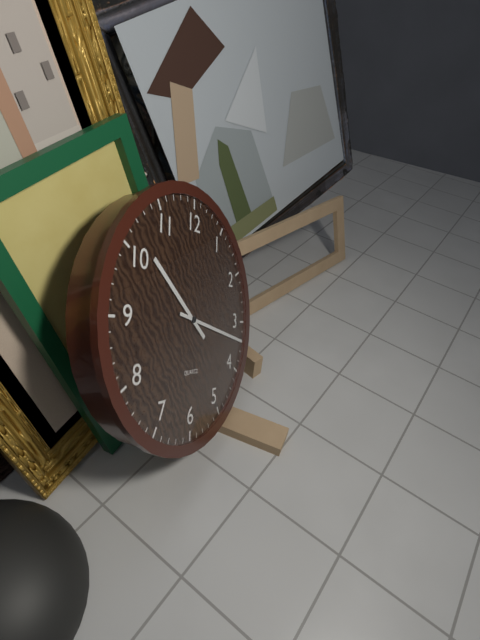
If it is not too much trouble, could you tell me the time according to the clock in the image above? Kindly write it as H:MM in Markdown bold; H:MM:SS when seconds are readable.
**10:17**
